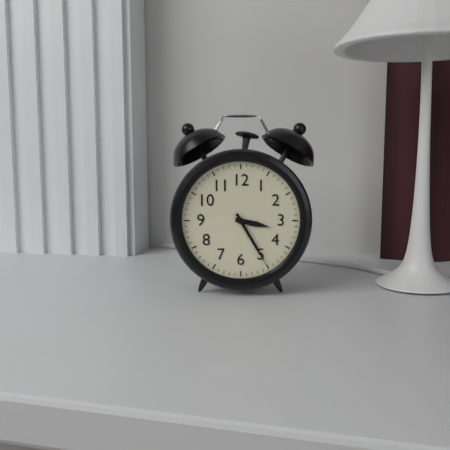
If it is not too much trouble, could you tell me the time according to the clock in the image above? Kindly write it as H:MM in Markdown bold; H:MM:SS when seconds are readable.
**3:25**
